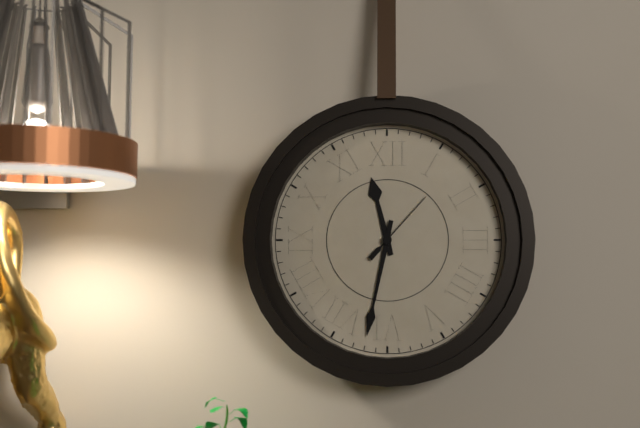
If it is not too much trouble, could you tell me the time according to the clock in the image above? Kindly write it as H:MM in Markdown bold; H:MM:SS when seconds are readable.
**11:32:07**
